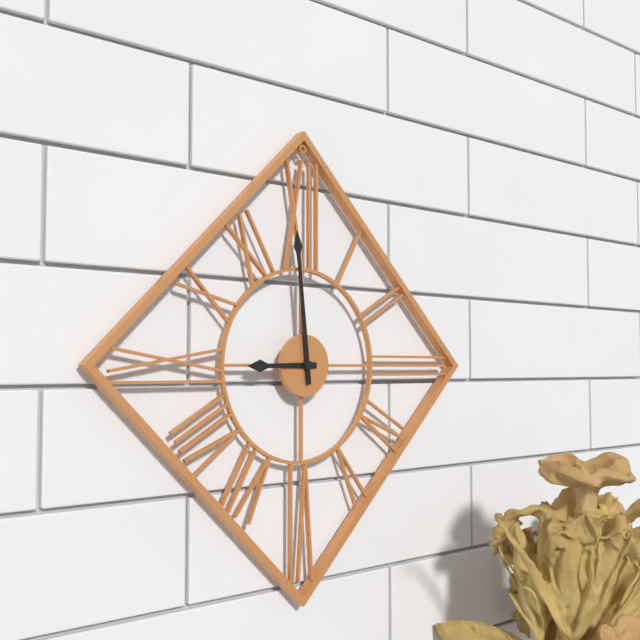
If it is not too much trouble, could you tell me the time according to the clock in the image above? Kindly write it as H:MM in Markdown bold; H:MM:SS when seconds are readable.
**8:59**
